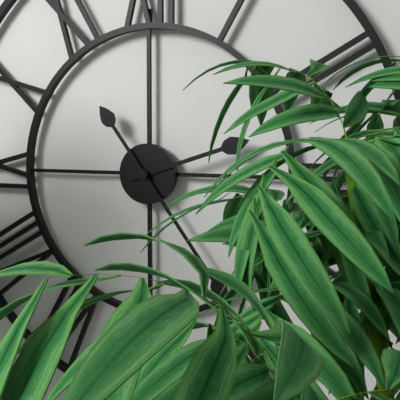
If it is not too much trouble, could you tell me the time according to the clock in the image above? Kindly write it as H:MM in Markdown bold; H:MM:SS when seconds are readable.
**2:24**
